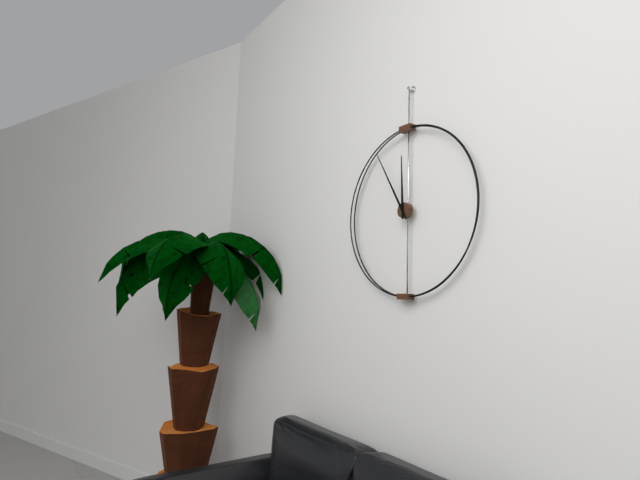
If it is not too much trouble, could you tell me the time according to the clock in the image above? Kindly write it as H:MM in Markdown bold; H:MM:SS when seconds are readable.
**11:55**
